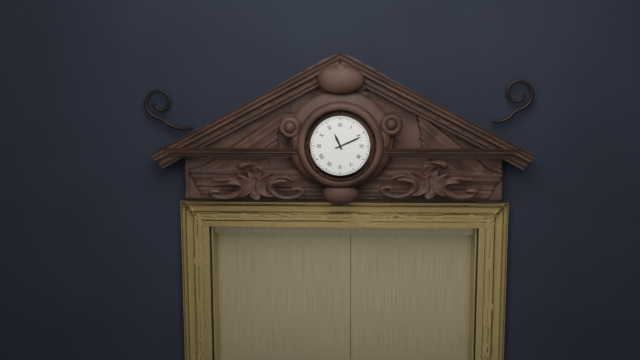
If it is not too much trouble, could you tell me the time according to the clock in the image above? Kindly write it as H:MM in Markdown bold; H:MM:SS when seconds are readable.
**11:11**
